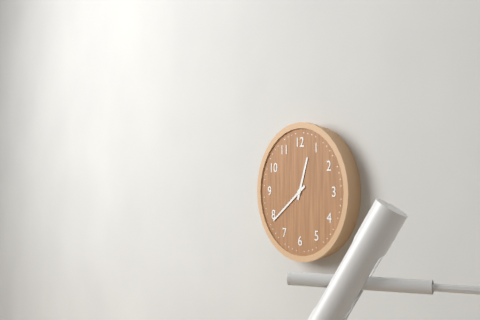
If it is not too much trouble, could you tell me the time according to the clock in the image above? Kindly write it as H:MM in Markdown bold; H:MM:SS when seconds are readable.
**12:39**
